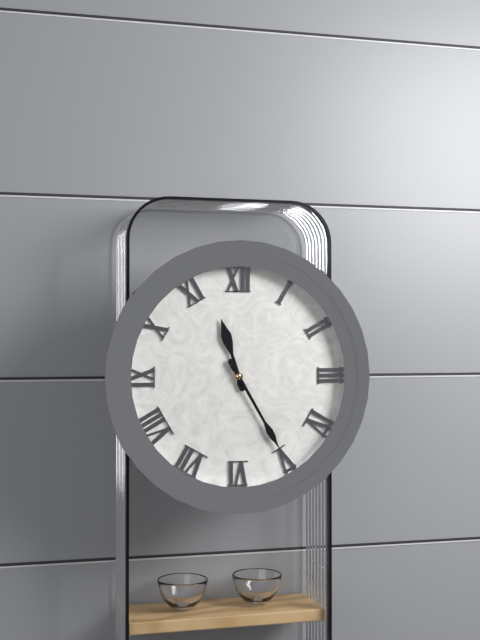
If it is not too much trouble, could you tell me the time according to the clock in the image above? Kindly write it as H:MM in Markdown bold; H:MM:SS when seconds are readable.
**11:25**
